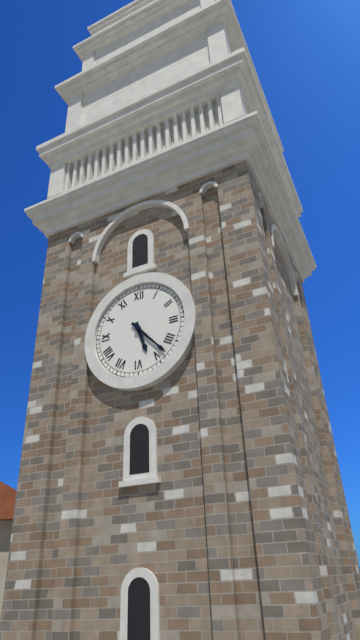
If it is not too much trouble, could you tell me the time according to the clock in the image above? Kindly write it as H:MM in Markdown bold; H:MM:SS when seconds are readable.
**5:23**
